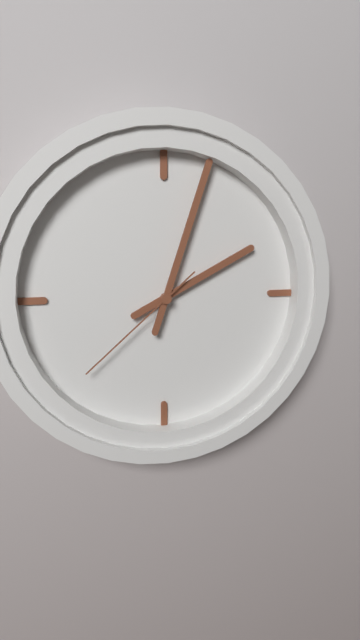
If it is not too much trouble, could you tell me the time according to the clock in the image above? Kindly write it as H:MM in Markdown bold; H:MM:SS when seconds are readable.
**2:03:38**
